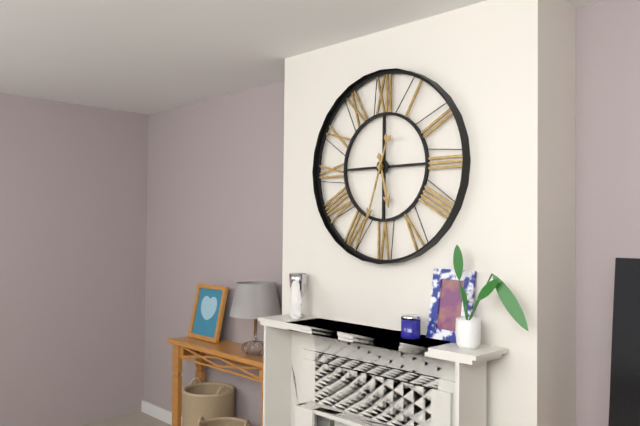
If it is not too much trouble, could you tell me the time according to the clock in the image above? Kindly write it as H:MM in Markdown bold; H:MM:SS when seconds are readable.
**5:33**
